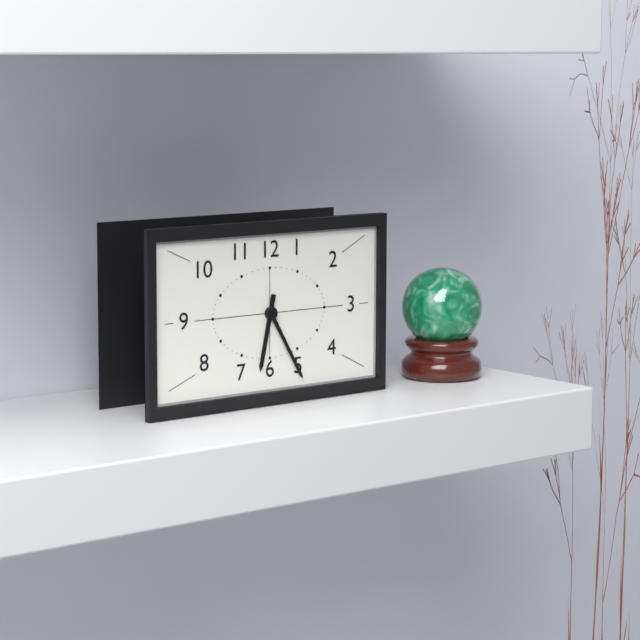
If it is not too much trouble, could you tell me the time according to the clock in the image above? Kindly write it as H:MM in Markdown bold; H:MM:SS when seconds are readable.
**6:25**
